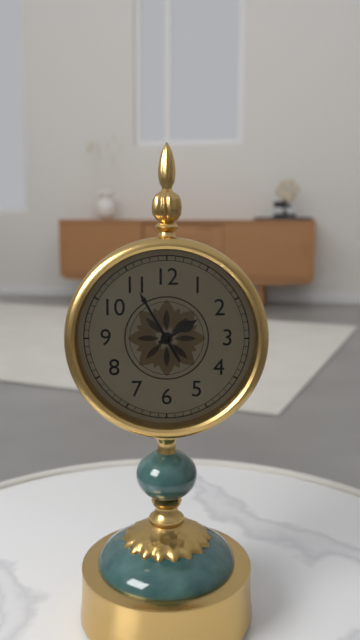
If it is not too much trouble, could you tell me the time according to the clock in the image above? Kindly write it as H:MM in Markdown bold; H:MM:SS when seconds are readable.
**1:55**
